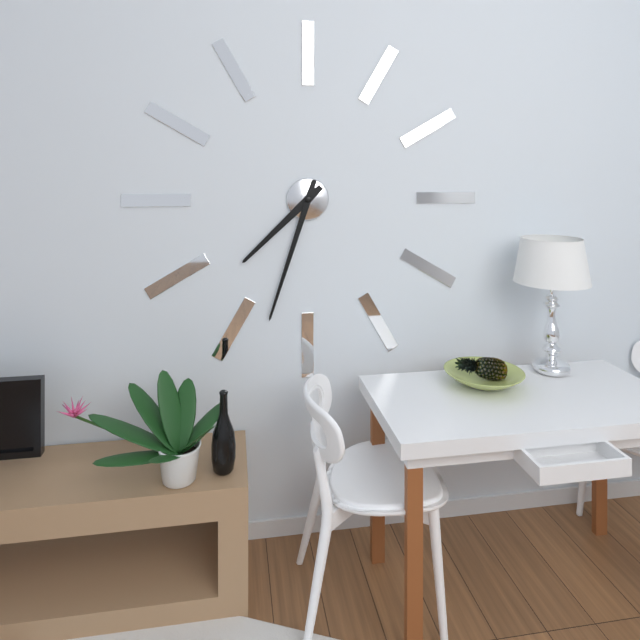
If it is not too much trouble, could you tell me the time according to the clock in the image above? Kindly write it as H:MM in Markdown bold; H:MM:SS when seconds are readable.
**7:33**
